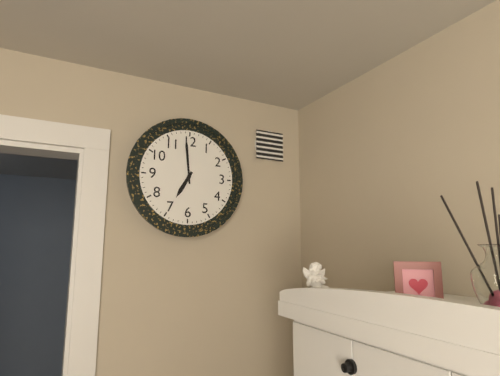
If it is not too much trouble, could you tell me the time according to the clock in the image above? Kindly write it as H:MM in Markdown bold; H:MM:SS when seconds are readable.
**6:59**
